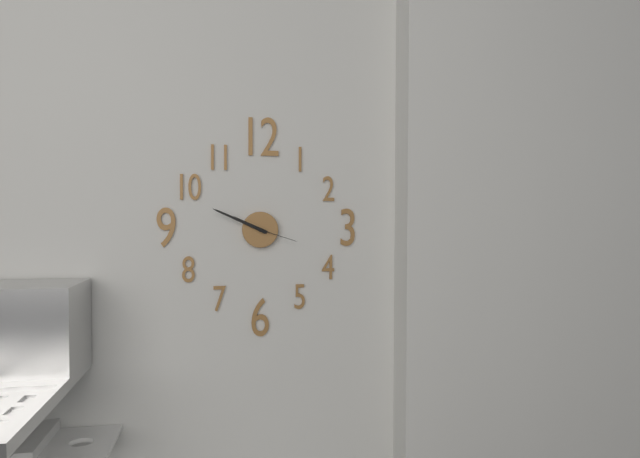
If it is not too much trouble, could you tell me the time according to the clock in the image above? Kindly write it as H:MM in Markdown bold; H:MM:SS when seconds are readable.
**9:49:18**
